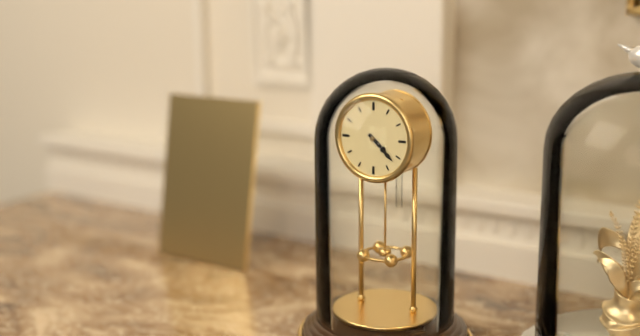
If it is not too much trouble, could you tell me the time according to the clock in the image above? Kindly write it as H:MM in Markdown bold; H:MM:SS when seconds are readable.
**4:22**
